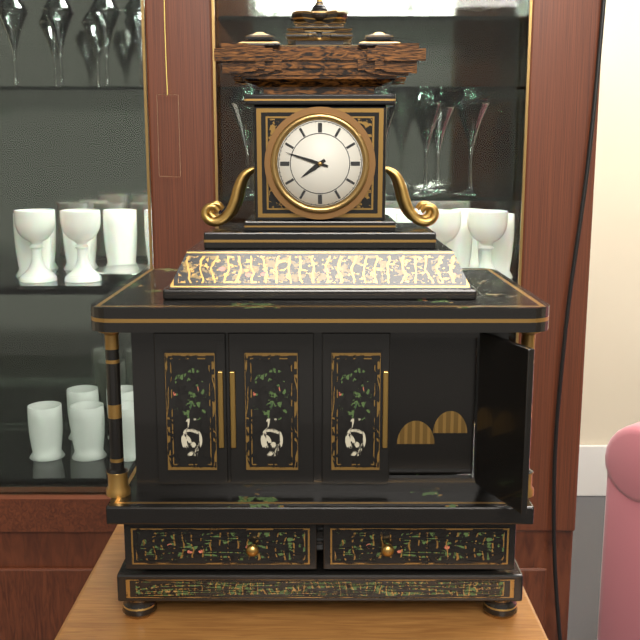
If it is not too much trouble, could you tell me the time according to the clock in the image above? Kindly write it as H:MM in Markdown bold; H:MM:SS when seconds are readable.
**7:48**
